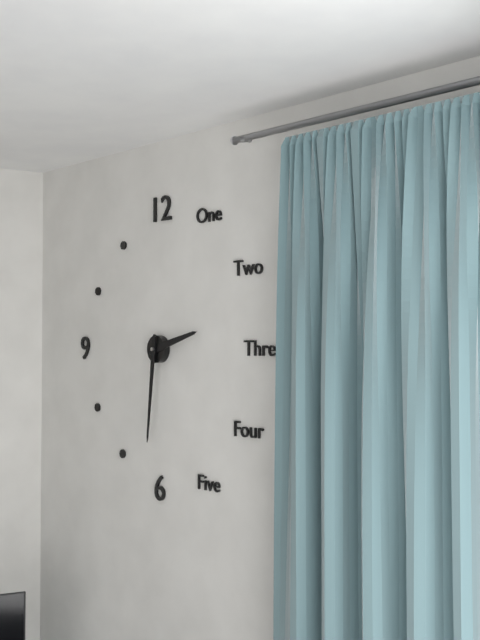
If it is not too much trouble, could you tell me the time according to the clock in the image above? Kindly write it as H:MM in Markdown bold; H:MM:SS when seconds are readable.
**2:31**
